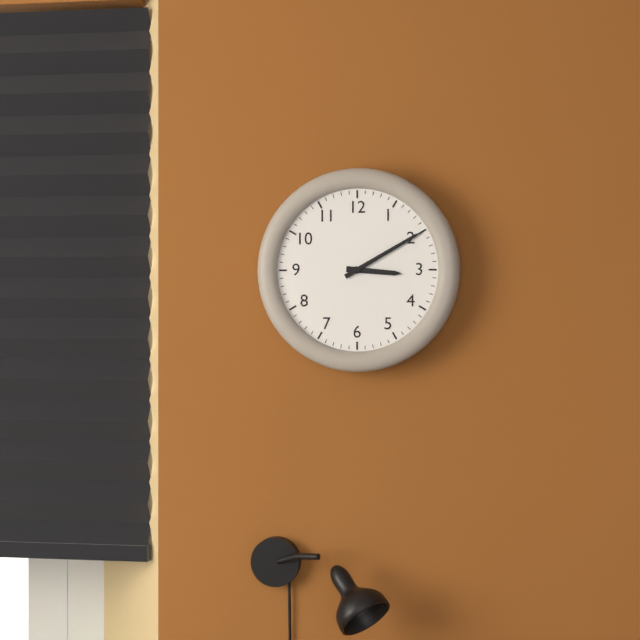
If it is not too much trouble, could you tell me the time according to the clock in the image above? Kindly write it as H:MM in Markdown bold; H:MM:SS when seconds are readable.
**3:10**
